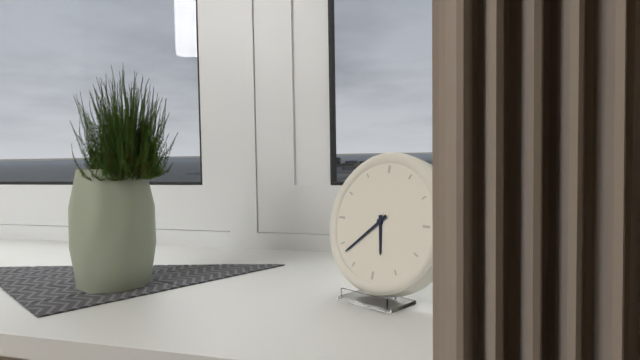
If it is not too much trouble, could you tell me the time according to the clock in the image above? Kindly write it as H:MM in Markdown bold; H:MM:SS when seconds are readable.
**5:38**
